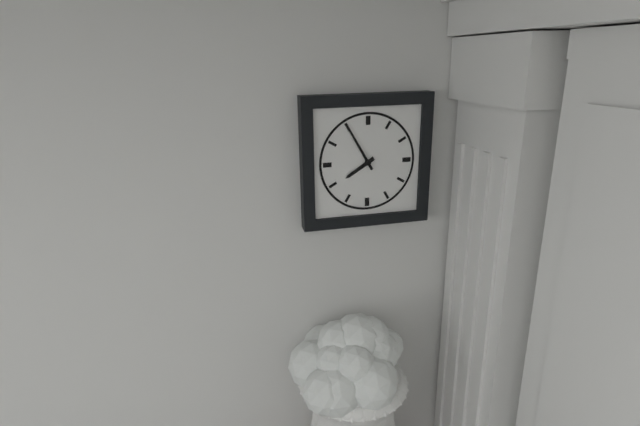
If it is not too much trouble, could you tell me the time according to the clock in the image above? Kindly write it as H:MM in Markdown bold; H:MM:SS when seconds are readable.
**7:55**
